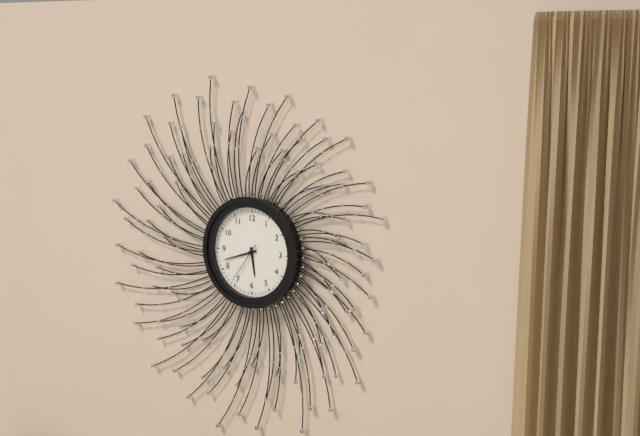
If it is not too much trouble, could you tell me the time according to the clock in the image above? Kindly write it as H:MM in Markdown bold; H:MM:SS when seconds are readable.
**5:42**
